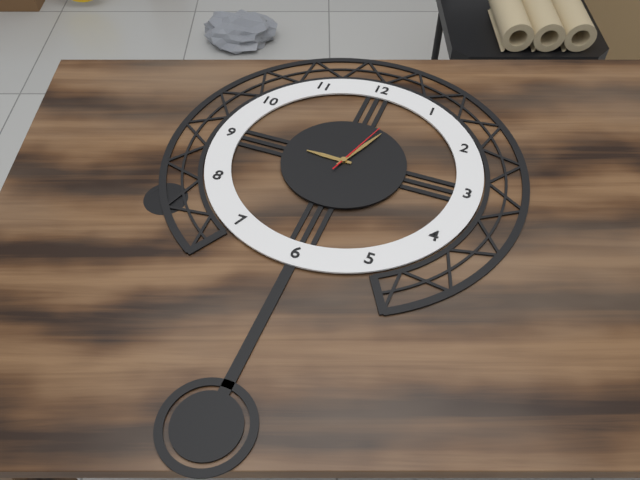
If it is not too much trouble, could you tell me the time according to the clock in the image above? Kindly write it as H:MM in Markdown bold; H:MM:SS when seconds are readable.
**9:04:03**
